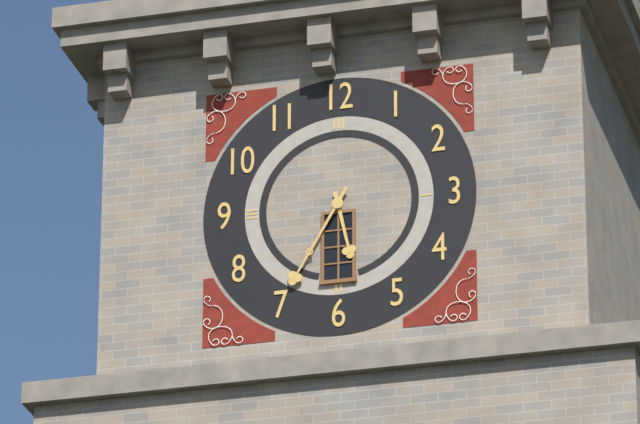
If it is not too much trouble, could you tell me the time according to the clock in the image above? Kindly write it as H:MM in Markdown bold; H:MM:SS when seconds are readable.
**5:35**
